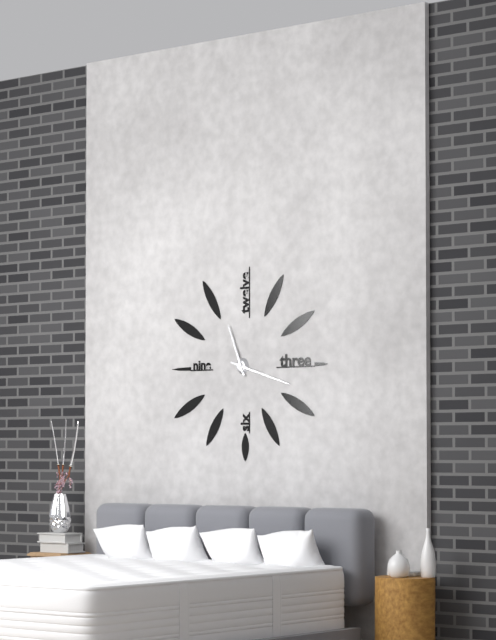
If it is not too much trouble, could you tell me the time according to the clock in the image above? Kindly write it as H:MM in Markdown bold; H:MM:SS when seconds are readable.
**11:18**
